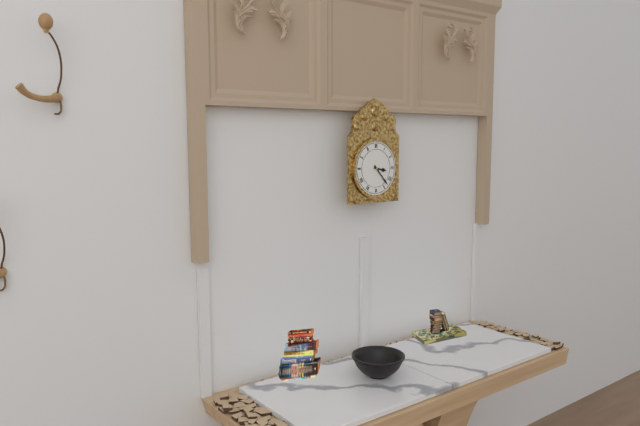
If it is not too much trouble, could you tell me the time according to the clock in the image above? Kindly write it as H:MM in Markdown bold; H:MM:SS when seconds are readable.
**3:23**
